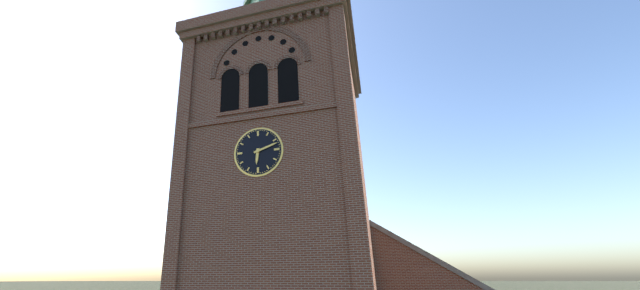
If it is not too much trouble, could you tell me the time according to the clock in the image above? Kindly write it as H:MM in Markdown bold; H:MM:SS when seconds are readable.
**6:12**
